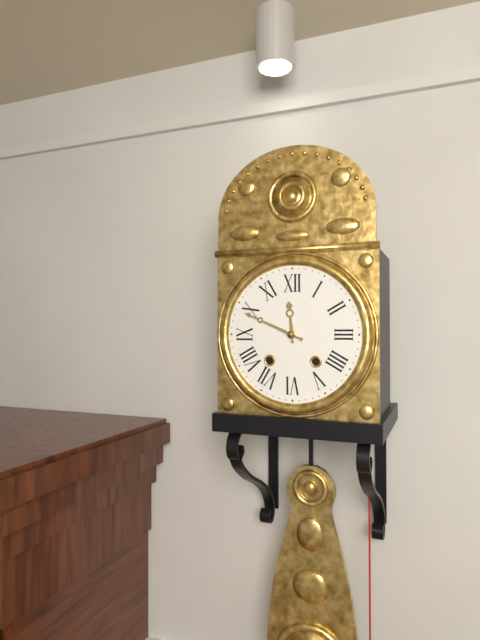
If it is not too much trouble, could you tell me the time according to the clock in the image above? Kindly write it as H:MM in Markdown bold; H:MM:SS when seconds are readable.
**11:49**
